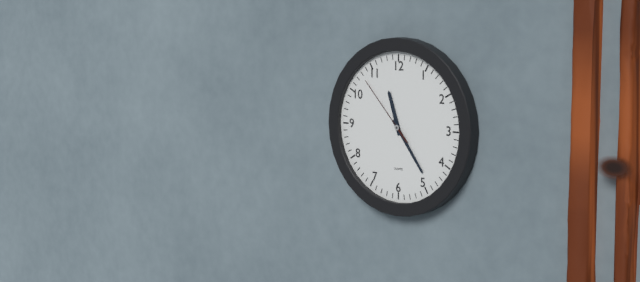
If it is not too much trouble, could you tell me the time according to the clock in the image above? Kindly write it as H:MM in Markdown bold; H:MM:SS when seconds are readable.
**11:24:53**
